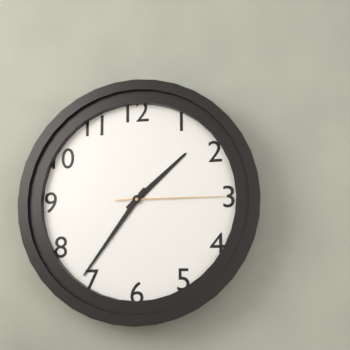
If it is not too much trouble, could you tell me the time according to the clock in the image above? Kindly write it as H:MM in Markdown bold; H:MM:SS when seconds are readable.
**1:36:15**
